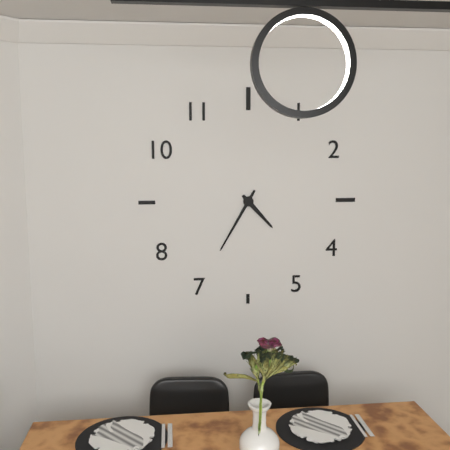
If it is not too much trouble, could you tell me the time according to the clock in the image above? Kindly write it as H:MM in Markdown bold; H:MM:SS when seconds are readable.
**4:35**
